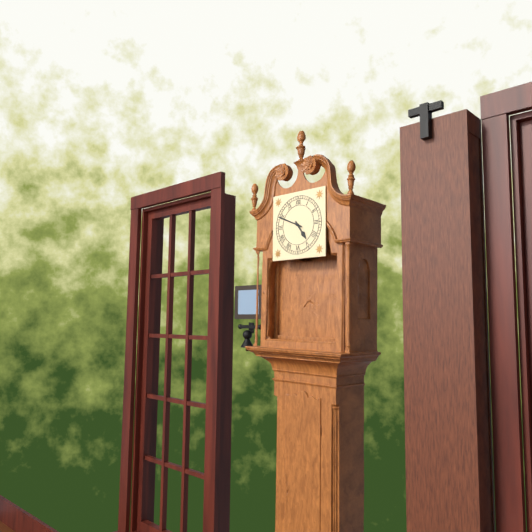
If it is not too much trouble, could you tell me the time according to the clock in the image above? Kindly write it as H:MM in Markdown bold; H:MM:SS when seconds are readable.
**4:49**
